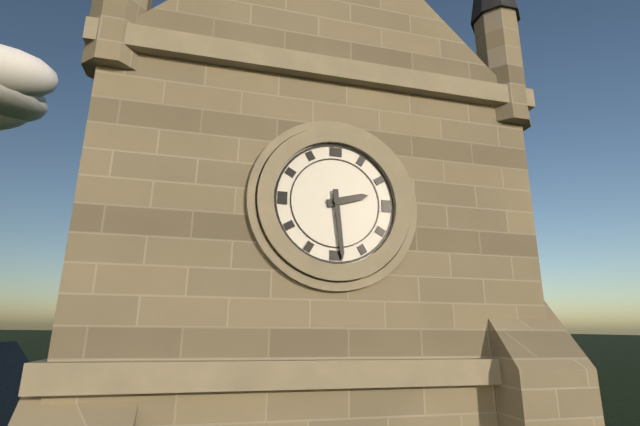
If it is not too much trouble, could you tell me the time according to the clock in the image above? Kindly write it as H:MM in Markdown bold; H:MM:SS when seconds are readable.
**2:29**
